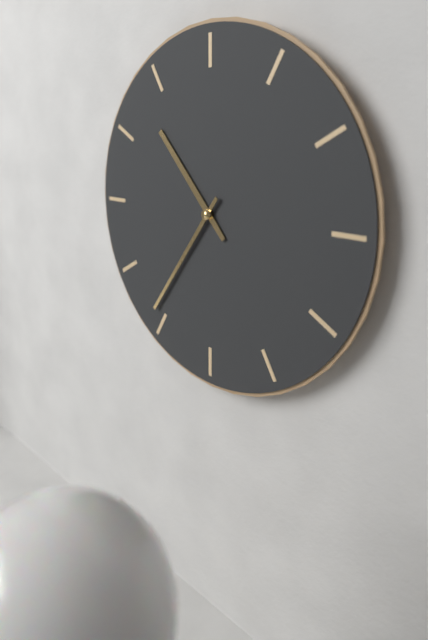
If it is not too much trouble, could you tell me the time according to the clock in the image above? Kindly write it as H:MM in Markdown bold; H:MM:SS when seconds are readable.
**10:36**
